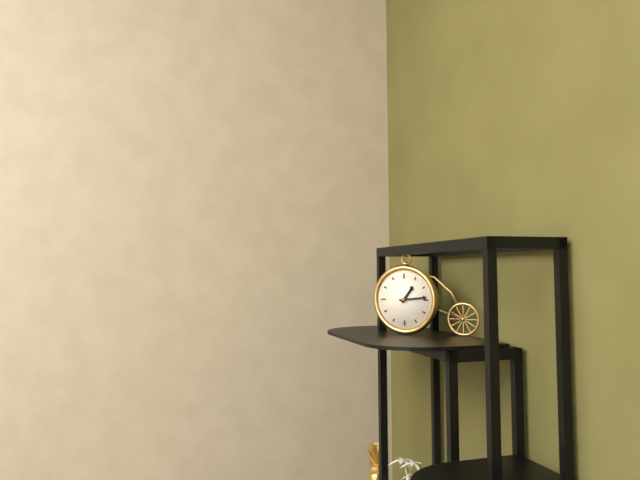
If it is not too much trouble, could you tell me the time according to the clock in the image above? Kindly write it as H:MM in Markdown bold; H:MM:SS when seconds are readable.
**1:14**
